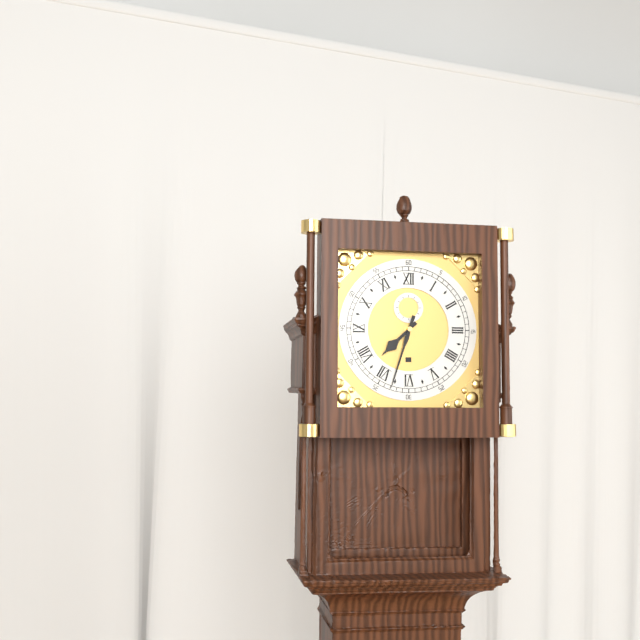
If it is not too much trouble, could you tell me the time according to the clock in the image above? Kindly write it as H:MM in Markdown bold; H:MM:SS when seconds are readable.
**7:33**
